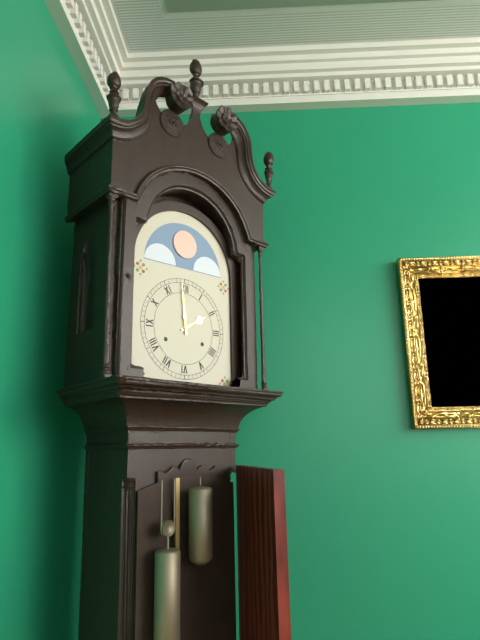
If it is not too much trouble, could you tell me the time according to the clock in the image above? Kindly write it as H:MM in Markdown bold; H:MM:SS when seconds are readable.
**1:59**
